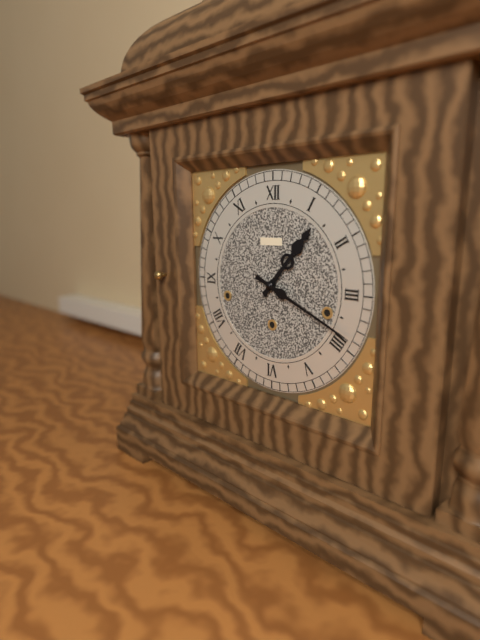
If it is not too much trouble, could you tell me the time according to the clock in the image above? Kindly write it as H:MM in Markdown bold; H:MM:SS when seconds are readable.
**1:19**
